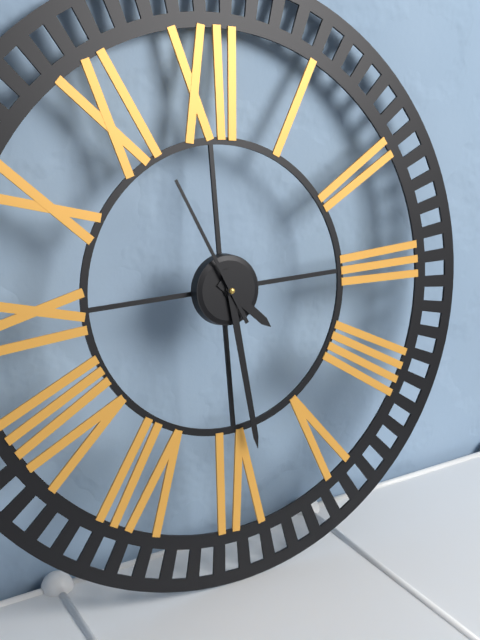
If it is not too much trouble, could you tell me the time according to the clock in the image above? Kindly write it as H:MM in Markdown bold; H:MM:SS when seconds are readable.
**4:29:56**
